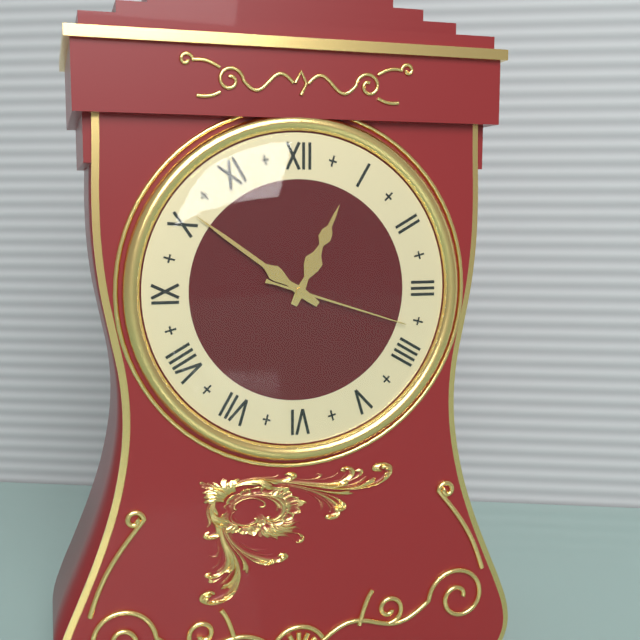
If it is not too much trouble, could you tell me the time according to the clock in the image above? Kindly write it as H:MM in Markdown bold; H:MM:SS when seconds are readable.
**12:51:18**
